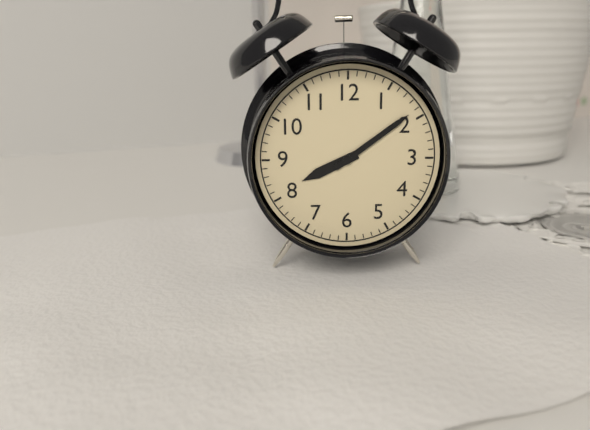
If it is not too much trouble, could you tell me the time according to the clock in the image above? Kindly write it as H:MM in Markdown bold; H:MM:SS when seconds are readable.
**8:09**
